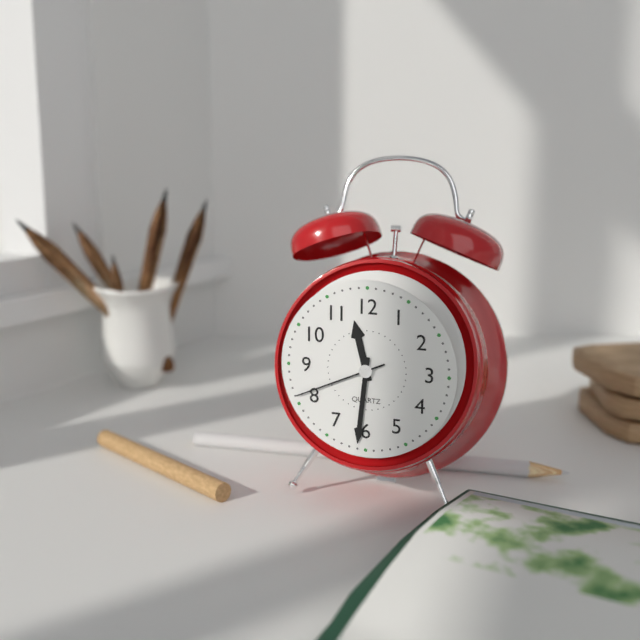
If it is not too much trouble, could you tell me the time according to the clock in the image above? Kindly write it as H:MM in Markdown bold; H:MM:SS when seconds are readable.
**11:31:41**
